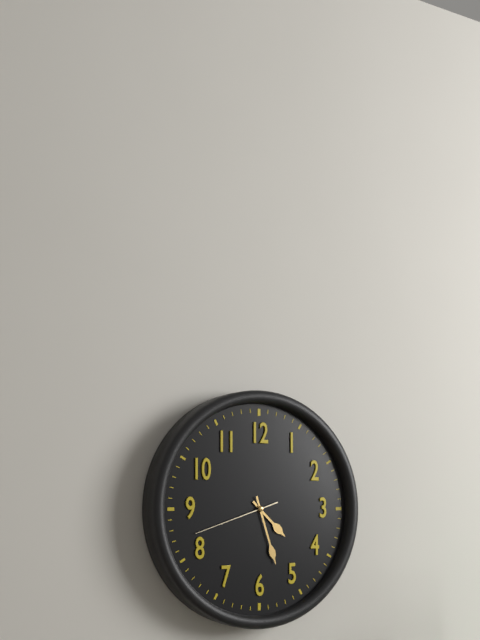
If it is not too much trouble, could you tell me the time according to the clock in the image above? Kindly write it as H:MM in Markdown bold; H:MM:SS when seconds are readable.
**4:27:42**
